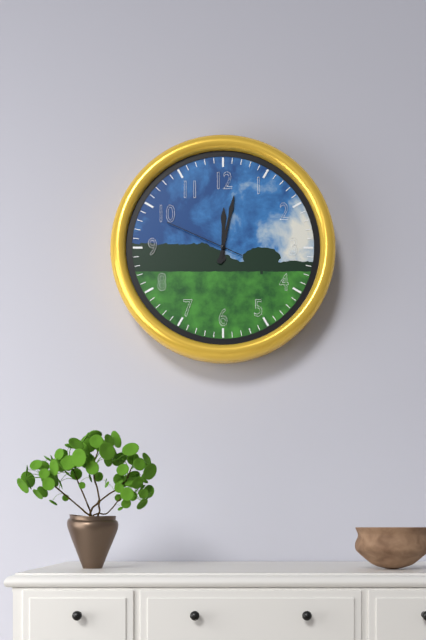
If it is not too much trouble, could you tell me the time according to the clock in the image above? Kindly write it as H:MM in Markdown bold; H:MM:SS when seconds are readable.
**12:02:49**
